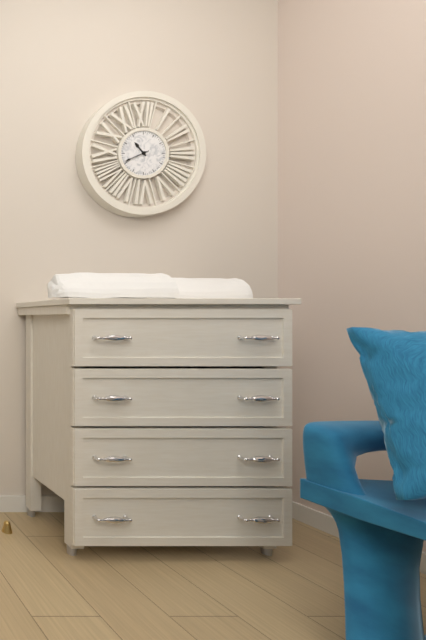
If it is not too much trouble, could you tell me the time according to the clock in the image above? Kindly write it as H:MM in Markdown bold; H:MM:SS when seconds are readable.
**10:41**
